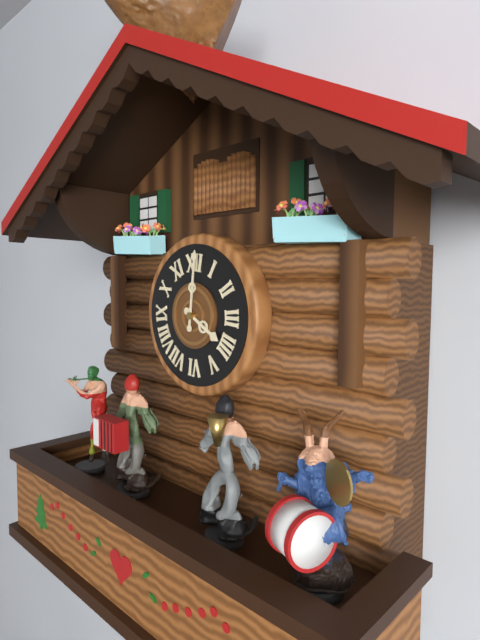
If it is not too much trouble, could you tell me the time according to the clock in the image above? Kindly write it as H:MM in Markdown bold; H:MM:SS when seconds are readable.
**4:01**
